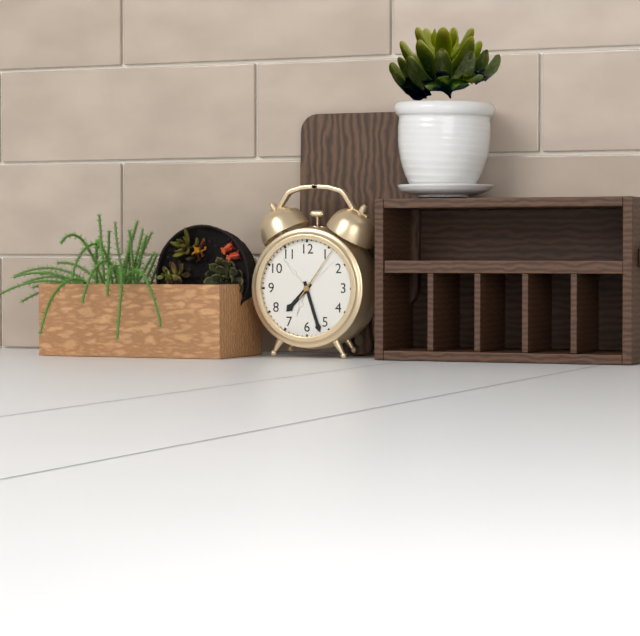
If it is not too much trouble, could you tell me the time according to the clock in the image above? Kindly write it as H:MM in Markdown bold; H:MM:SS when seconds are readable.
**7:27:06**
